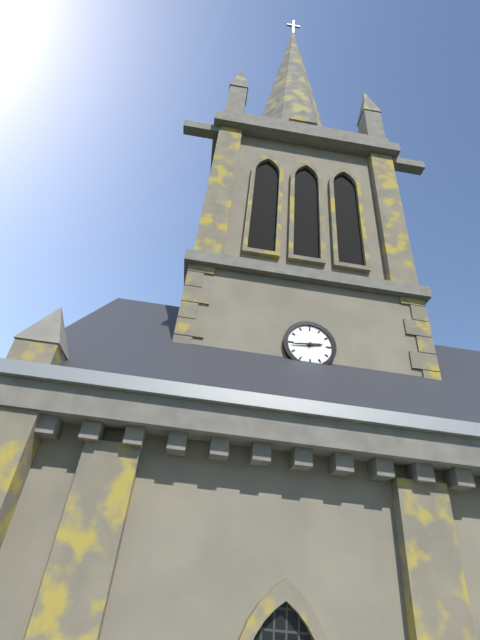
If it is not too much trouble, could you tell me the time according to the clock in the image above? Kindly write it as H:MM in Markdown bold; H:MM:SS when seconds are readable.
**2:44**
